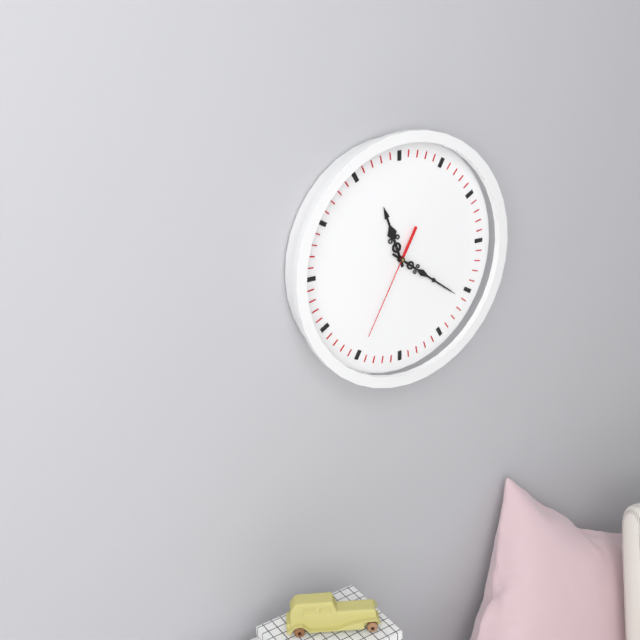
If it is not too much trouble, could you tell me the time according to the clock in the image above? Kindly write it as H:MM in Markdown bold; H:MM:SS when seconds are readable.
**11:21:35**
